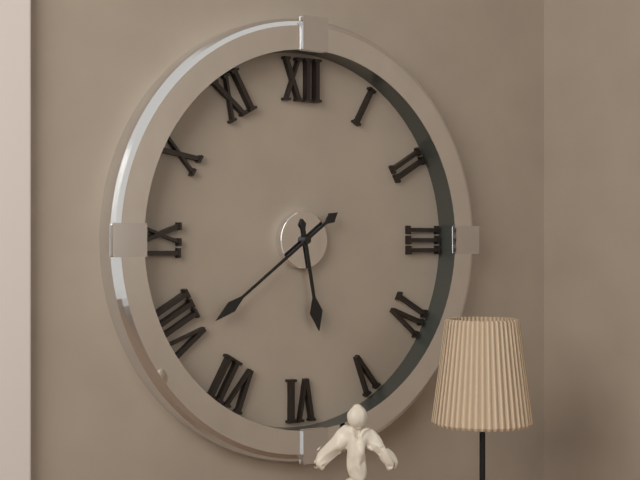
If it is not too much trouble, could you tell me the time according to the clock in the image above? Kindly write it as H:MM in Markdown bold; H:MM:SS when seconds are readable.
**5:39**
